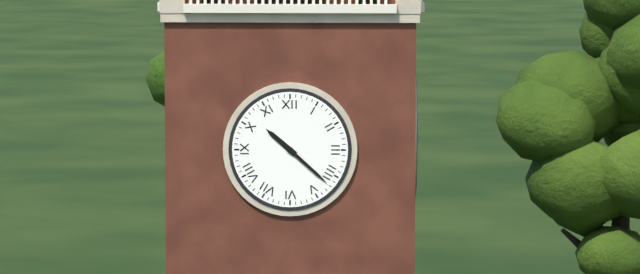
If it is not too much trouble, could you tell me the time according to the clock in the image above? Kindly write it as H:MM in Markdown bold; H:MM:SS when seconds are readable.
**10:22**
